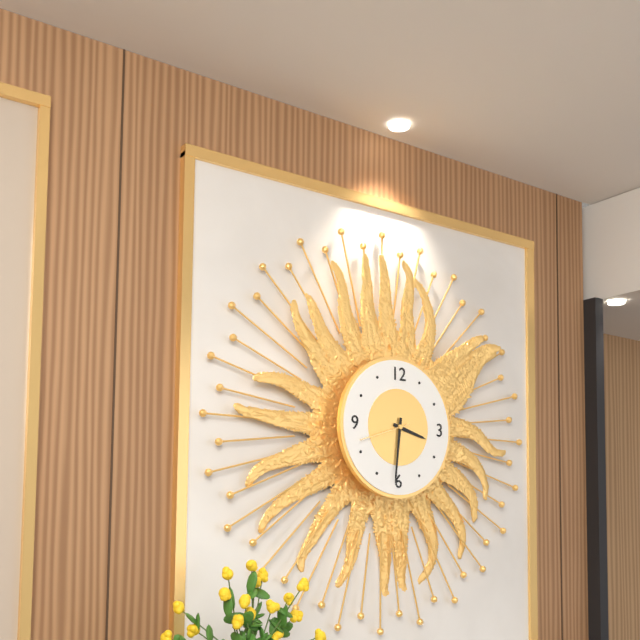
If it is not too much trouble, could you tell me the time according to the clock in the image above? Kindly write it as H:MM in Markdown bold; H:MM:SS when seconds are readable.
**3:31:42**
